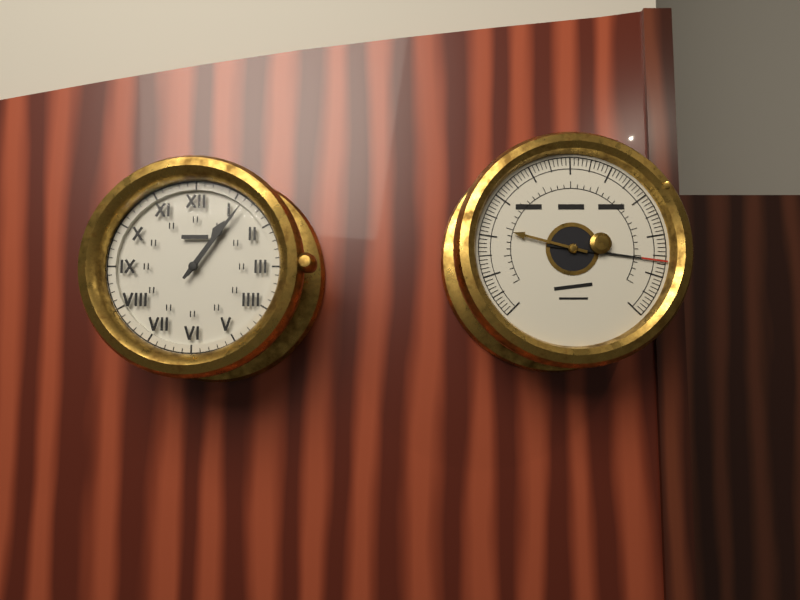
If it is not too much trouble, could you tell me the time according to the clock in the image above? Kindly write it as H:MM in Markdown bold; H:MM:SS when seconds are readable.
**1:06**
